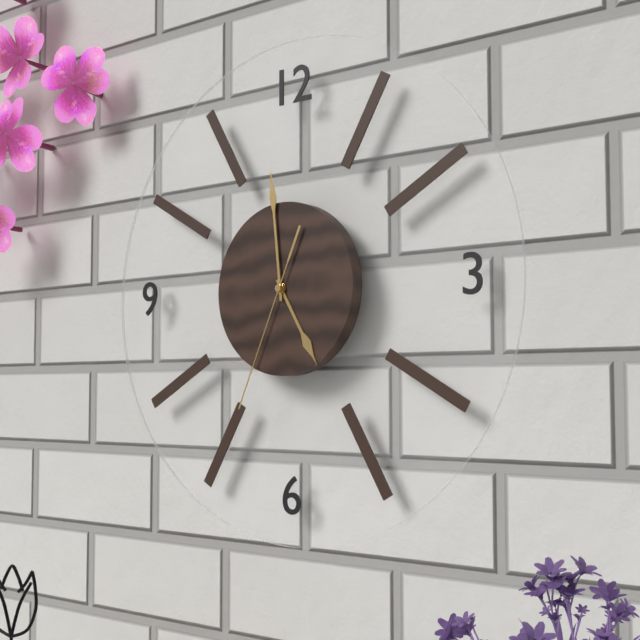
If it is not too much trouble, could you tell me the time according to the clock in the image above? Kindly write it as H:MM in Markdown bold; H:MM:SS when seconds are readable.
**4:59:34**
